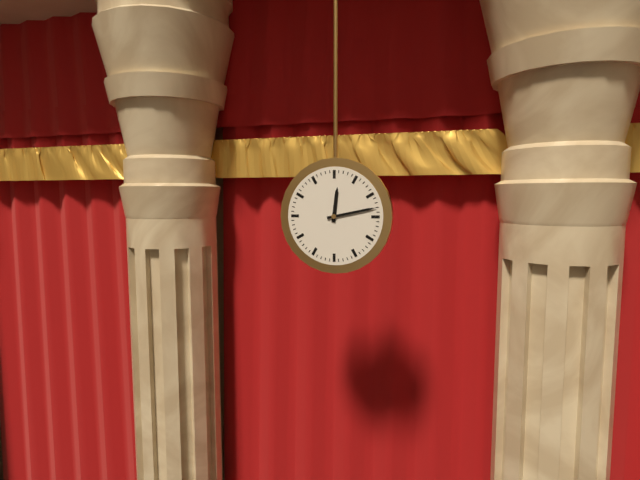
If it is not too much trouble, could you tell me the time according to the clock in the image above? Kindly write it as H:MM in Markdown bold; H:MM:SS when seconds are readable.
**12:13**
